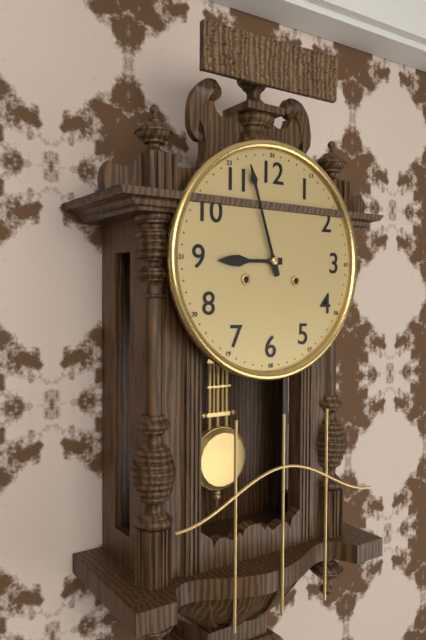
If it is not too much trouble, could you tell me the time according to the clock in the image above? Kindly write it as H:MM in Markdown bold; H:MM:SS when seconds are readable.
**8:57**
